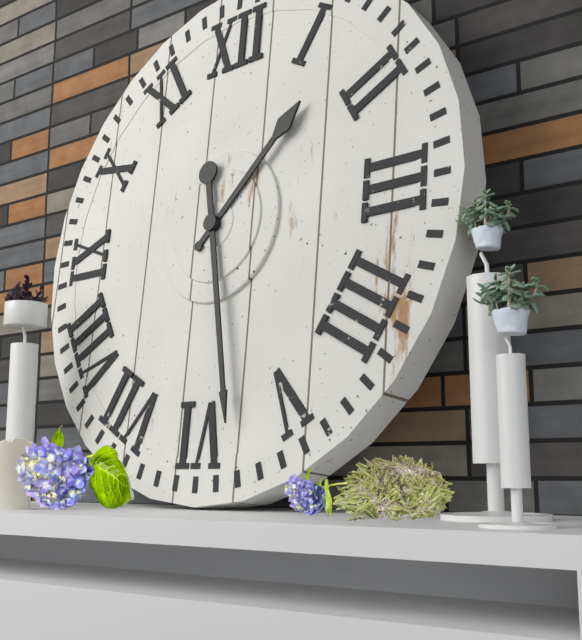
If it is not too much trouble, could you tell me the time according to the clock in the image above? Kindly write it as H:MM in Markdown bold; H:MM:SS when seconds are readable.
**1:28**
